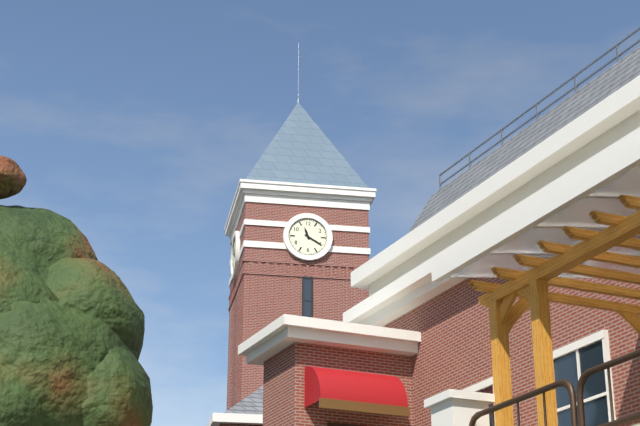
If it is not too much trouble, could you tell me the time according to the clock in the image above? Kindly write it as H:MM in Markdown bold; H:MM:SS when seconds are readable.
**11:20**
